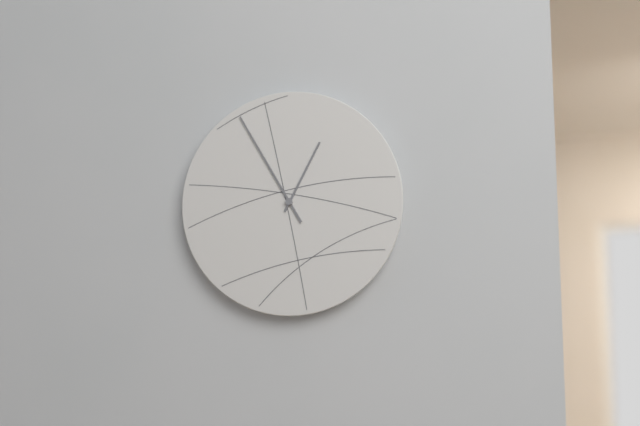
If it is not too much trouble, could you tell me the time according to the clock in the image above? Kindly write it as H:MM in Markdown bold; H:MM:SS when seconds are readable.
**12:55**
